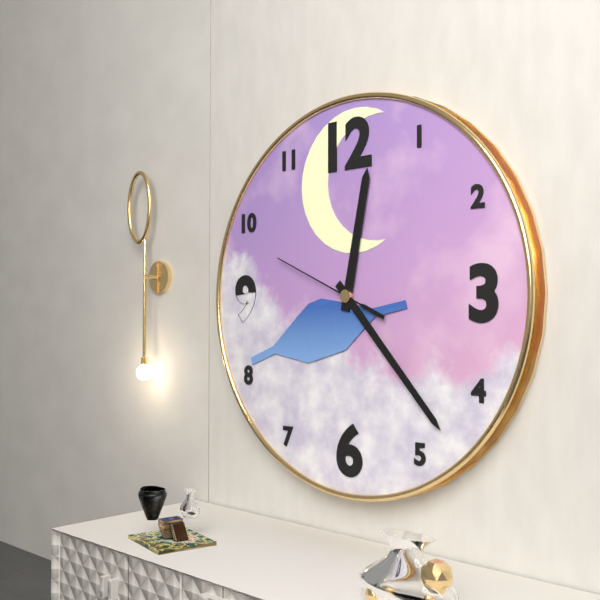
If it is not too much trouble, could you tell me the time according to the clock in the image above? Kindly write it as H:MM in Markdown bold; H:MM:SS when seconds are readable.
**12:23:49**
